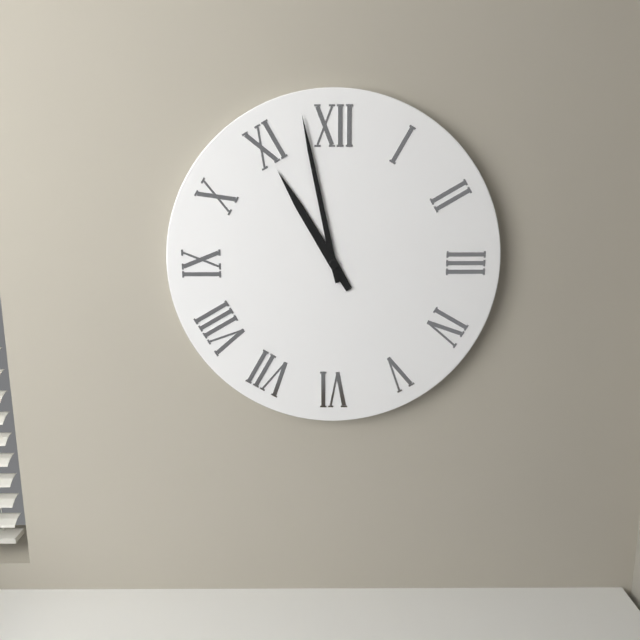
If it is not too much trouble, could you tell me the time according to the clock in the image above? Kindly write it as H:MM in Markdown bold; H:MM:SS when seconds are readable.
**10:58**
